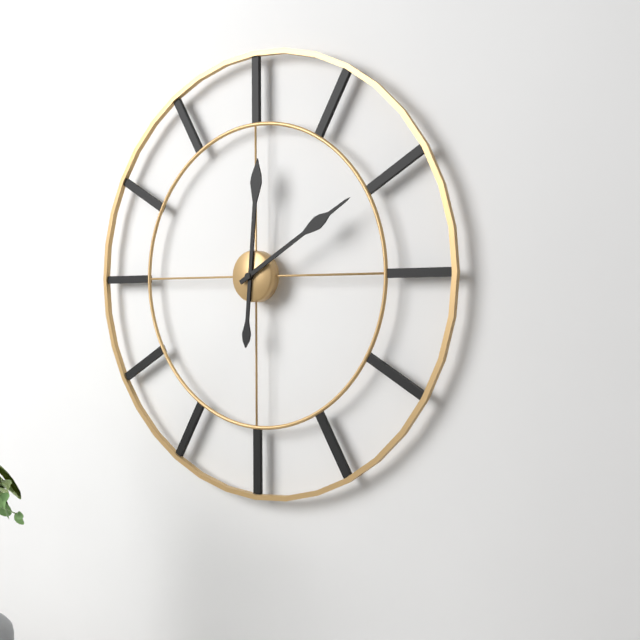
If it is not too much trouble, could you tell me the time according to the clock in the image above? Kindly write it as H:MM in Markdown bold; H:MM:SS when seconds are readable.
**12:10**
